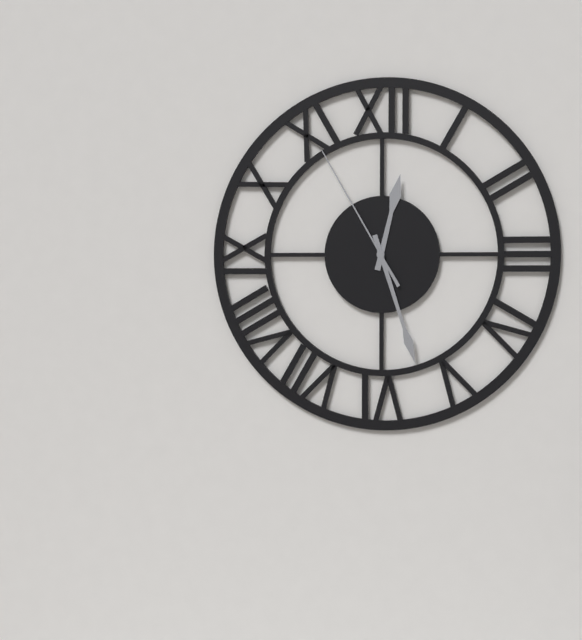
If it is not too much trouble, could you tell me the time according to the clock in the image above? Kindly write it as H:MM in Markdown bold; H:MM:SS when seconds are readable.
**12:27:55**
